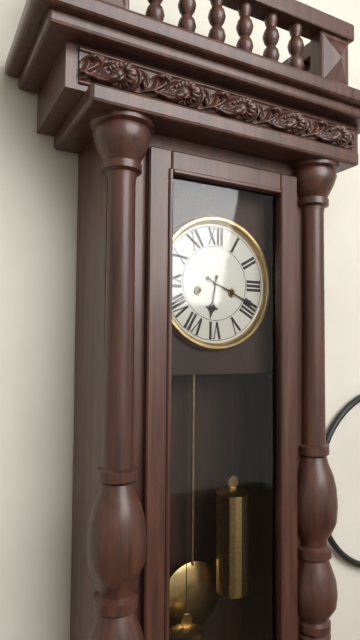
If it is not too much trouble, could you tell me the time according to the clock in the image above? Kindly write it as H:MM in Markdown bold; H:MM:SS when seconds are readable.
**6:19**
